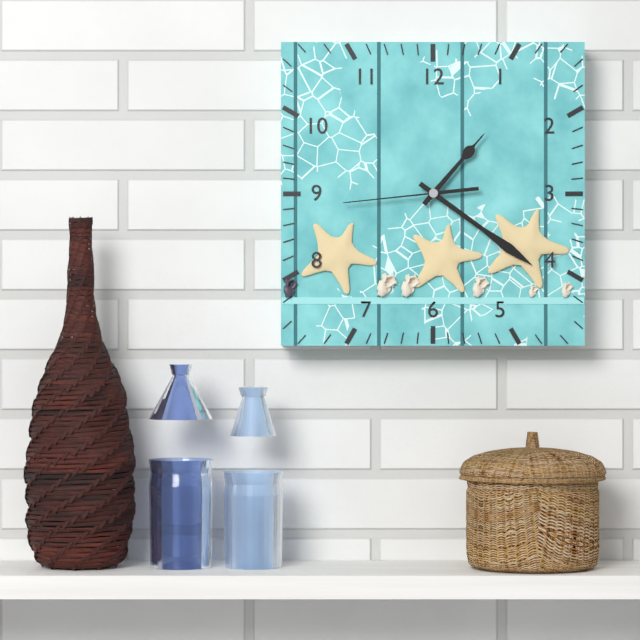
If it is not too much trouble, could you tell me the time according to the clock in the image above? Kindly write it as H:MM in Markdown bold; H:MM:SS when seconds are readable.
**1:21:44**
